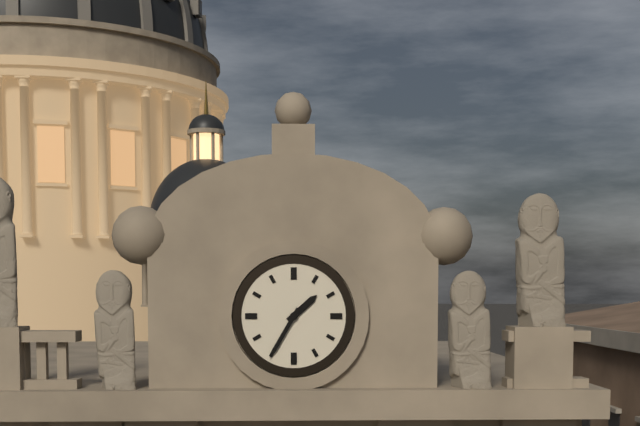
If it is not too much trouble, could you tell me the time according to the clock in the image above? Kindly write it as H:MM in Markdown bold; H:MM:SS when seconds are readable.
**1:35**
